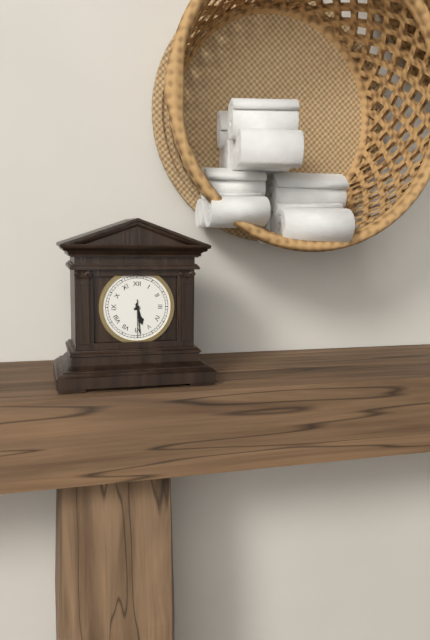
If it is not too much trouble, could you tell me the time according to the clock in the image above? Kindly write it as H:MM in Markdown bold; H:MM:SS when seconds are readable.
**5:29**
